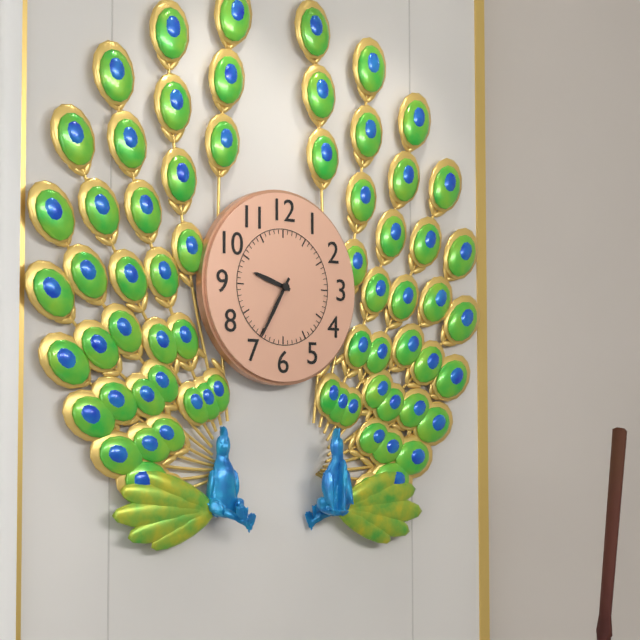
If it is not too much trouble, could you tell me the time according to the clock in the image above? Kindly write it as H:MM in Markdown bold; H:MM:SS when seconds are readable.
**9:35**
